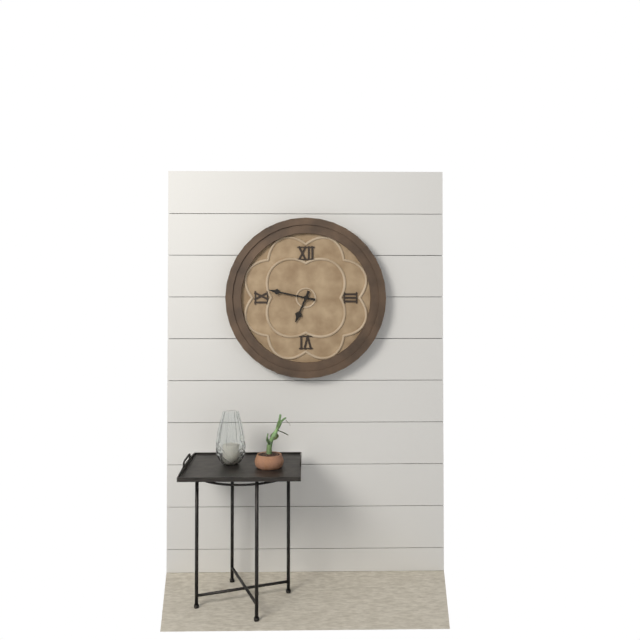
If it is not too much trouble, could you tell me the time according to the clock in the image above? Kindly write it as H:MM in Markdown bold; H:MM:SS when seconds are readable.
**6:47**
